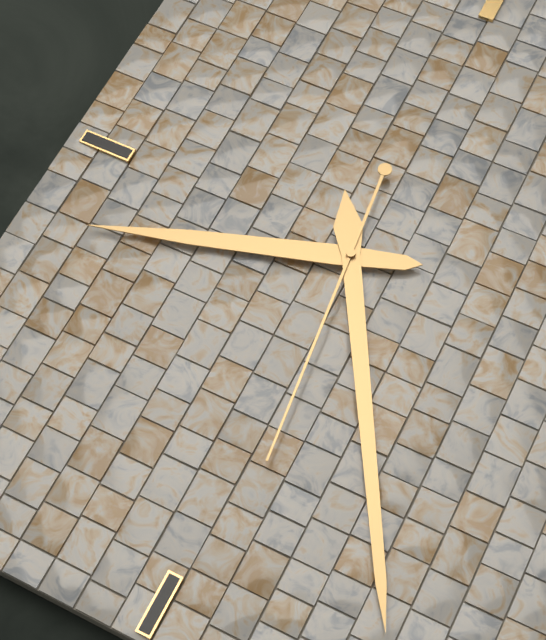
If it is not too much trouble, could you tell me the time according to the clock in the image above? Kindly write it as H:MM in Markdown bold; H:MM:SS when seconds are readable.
**8:25:29**
